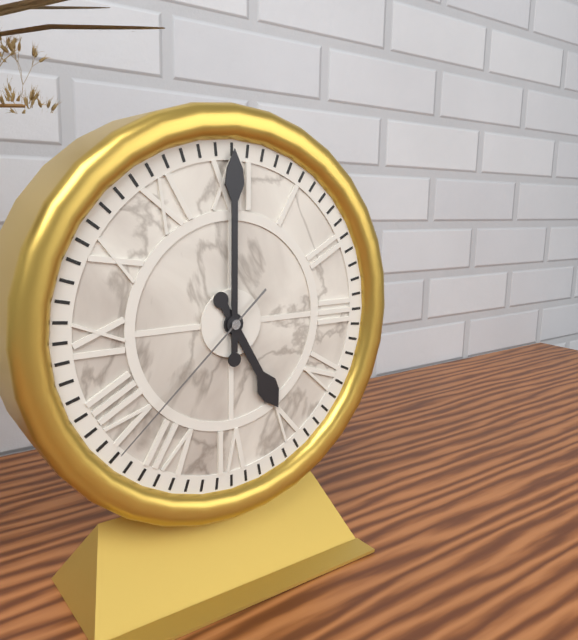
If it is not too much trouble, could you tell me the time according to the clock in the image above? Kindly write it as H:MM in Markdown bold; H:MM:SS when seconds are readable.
**5:00:38**
